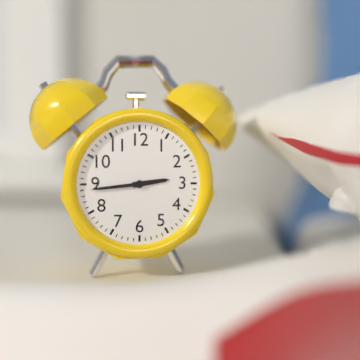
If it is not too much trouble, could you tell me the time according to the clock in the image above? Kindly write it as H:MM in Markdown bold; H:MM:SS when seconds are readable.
**2:44**
